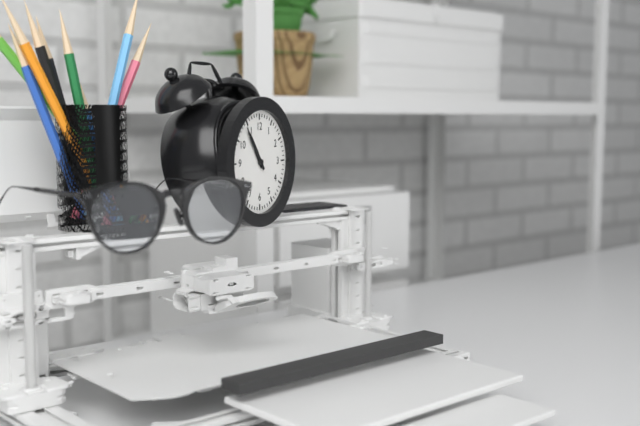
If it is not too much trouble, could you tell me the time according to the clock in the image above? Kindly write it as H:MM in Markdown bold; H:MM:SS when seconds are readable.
**10:54**
